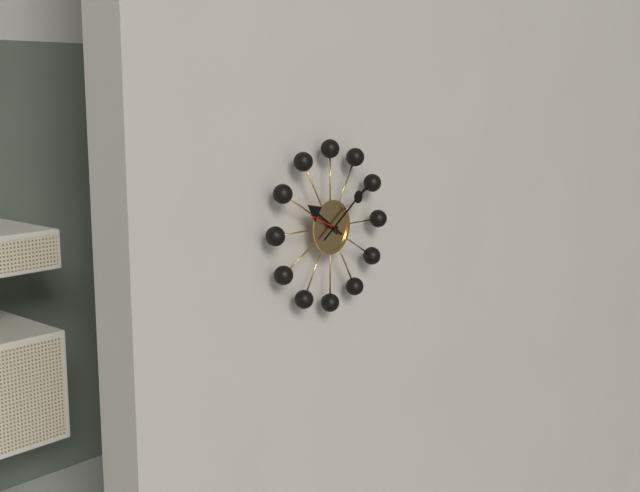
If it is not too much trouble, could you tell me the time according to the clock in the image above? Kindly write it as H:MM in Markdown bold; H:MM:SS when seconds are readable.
**10:09**
